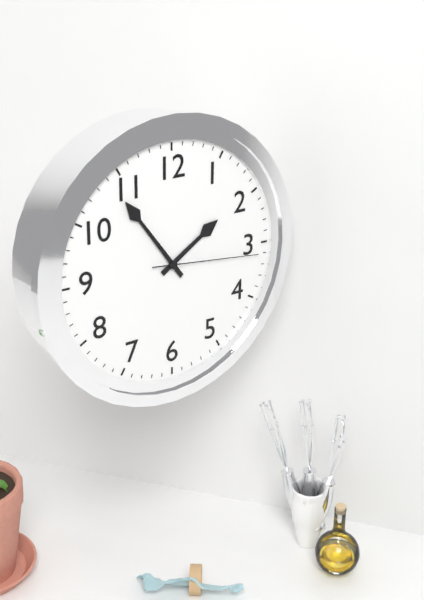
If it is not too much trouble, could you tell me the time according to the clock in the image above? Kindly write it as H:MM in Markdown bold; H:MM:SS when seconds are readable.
**1:54:16**
